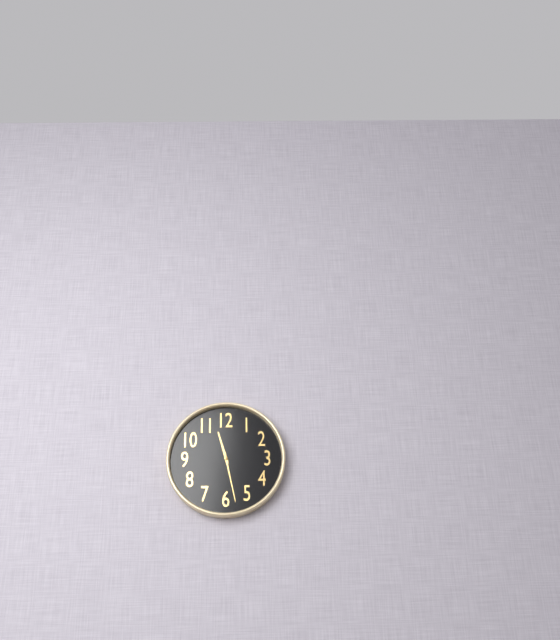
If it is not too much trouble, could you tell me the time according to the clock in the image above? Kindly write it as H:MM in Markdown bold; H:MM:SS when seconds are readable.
**11:28**
